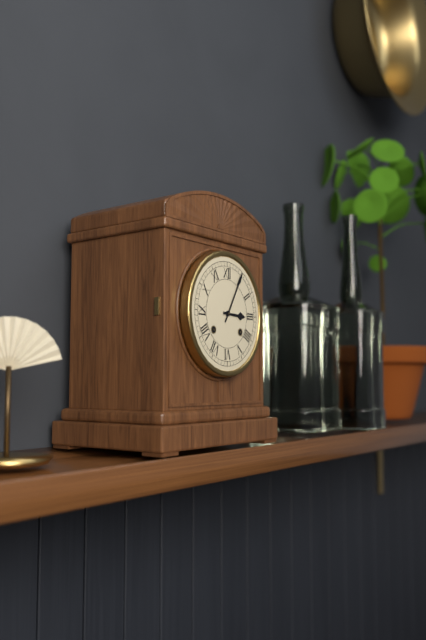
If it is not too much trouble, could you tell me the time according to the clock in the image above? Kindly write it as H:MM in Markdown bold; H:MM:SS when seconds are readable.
**3:05**
